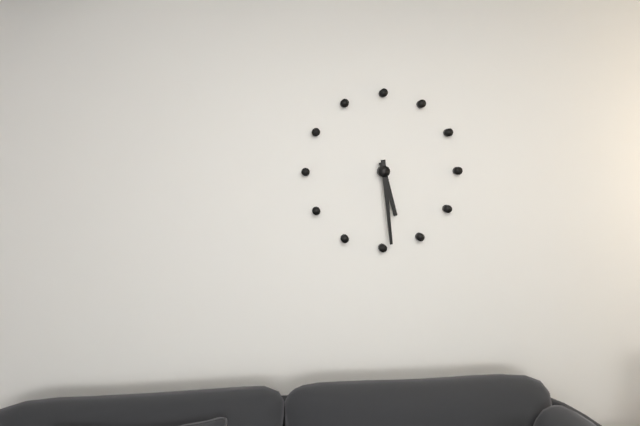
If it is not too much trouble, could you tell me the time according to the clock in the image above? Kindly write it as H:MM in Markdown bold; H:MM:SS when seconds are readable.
**5:29**
